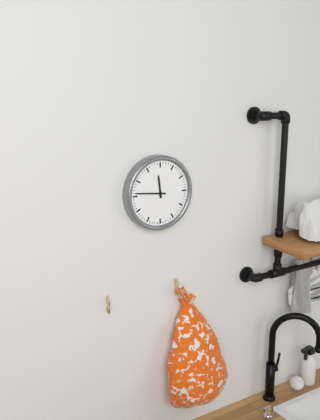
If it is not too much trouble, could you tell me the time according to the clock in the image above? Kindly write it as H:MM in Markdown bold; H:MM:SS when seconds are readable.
**11:46**
